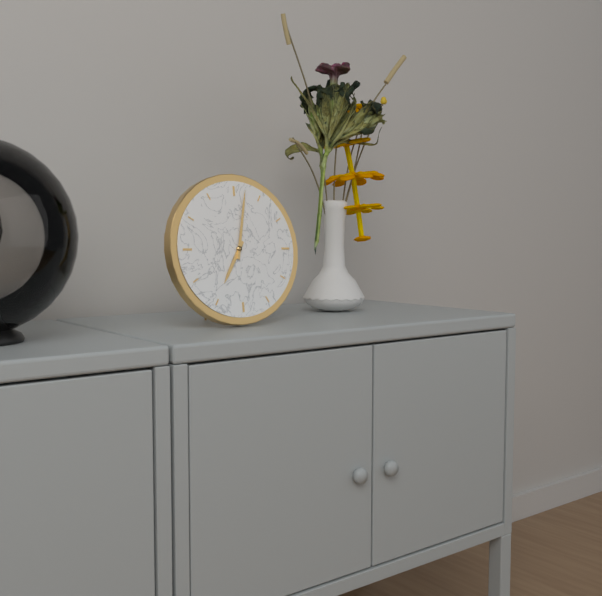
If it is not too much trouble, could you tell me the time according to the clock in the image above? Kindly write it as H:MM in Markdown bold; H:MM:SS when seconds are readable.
**7:02**
